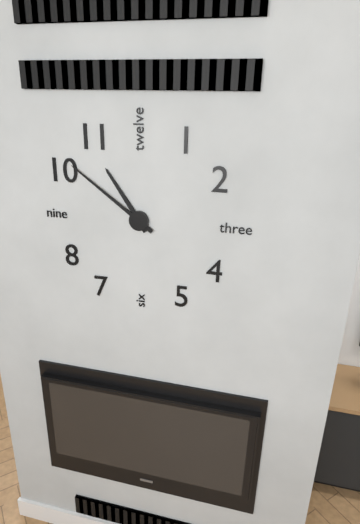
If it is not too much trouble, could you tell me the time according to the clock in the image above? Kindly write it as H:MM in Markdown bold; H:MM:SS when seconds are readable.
**10:51**
